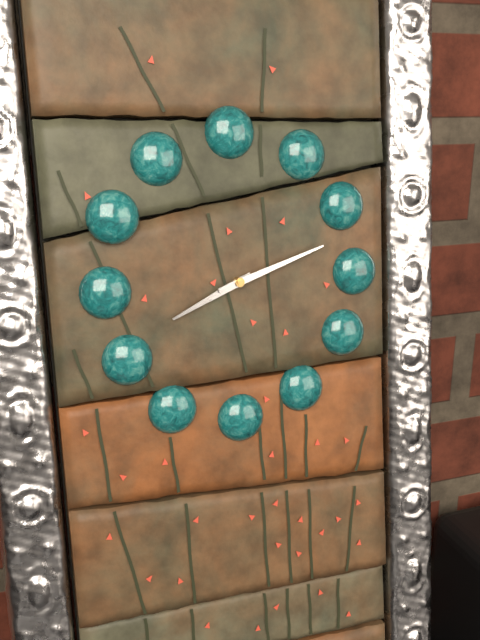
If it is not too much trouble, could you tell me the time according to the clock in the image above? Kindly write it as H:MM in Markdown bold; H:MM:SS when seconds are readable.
**8:12**
